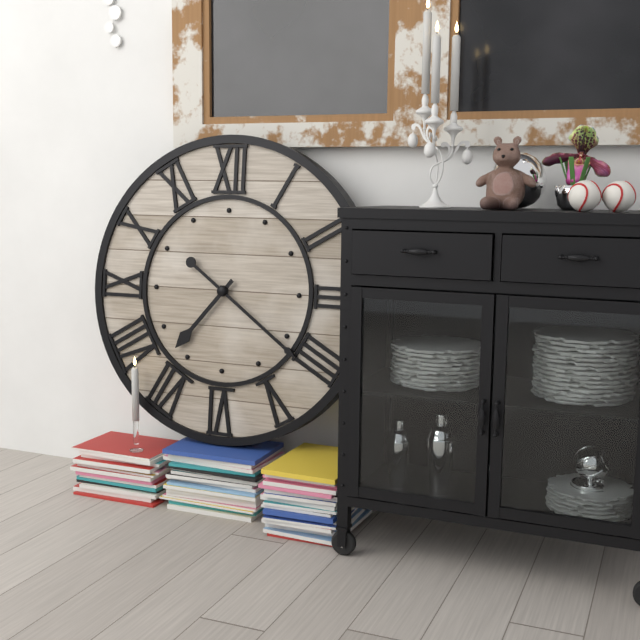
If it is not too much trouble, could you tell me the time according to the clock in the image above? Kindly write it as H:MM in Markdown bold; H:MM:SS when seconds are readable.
**7:21**
